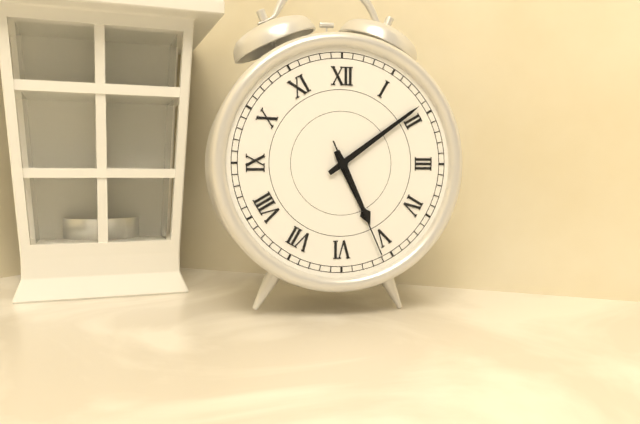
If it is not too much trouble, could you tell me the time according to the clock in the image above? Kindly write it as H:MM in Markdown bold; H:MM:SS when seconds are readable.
**5:09:26**
